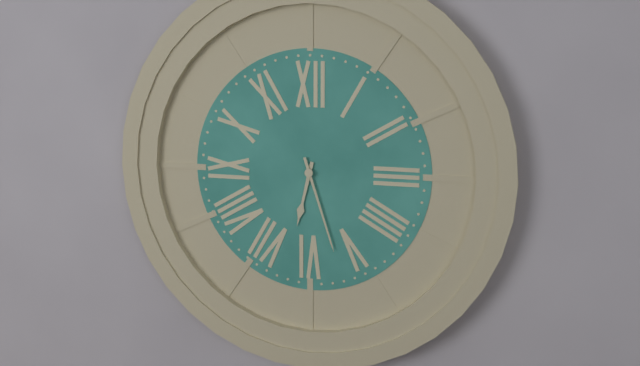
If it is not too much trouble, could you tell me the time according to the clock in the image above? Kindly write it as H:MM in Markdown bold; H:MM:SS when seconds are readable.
**6:27**
